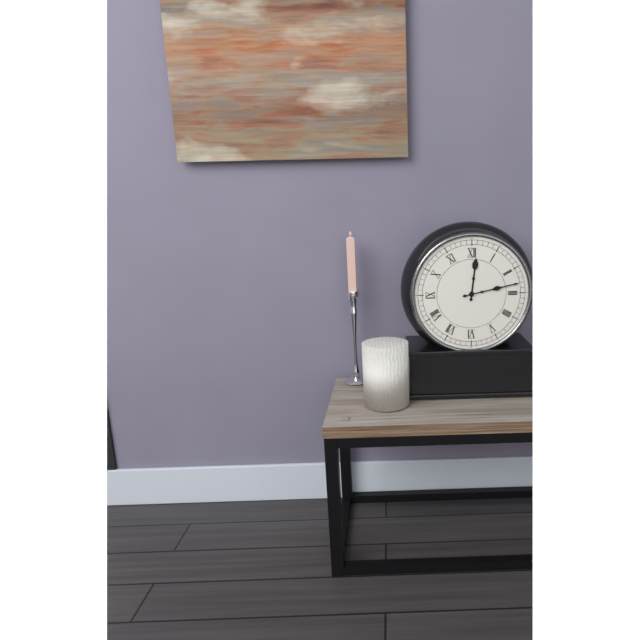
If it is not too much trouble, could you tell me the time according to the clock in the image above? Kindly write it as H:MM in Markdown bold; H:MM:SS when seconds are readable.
**12:13**
